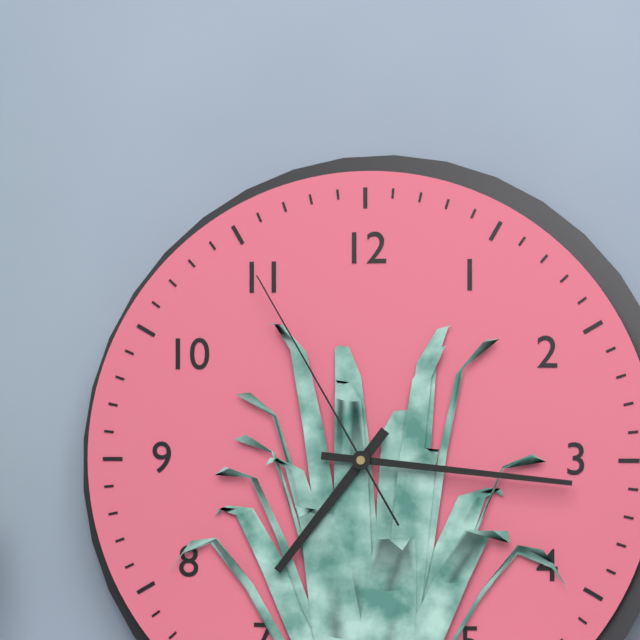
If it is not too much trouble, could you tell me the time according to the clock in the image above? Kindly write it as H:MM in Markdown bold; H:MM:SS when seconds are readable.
**7:16:55**
